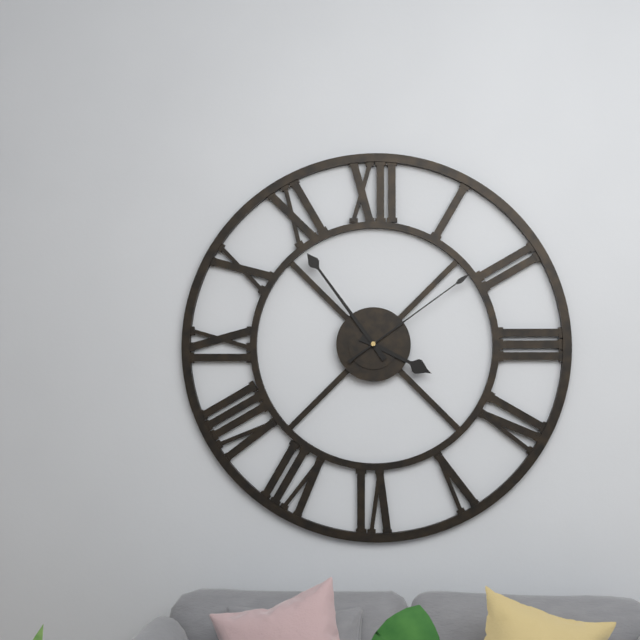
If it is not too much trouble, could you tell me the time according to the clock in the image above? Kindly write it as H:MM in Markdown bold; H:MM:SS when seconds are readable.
**3:54:09**
